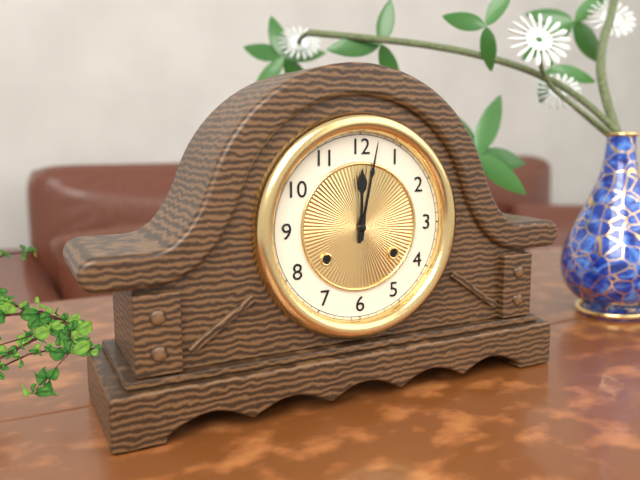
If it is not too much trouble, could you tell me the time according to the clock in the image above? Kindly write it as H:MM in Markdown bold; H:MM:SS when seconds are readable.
**12:02**
